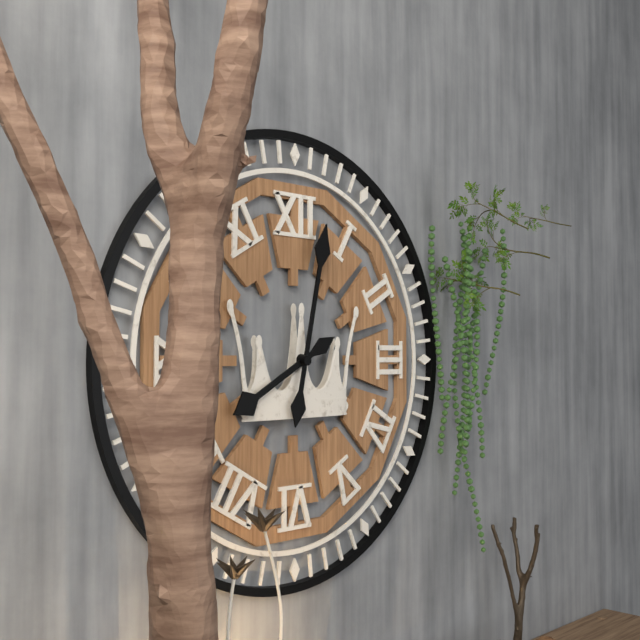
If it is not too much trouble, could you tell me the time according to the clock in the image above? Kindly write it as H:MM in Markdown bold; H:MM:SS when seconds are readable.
**8:02**
